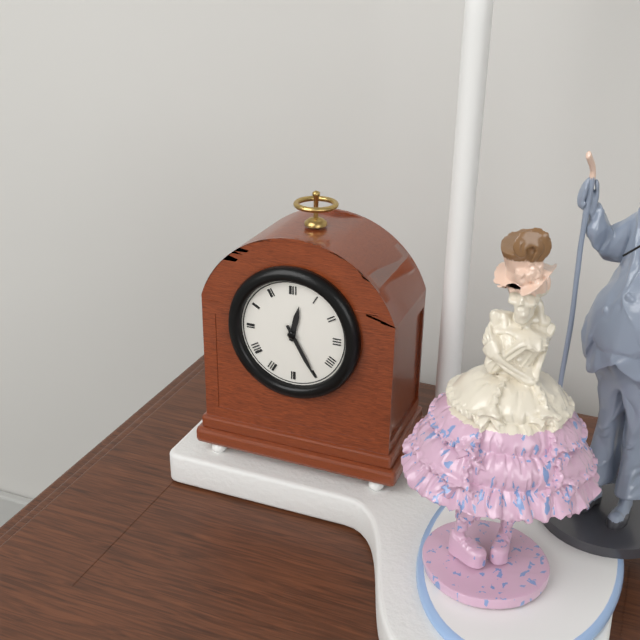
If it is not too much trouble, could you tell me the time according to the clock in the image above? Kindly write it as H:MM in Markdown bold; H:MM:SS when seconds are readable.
**12:25**
